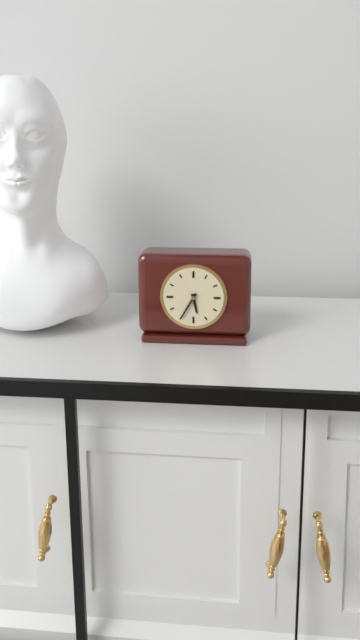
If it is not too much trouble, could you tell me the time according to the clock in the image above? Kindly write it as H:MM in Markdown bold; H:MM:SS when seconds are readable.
**5:35**
